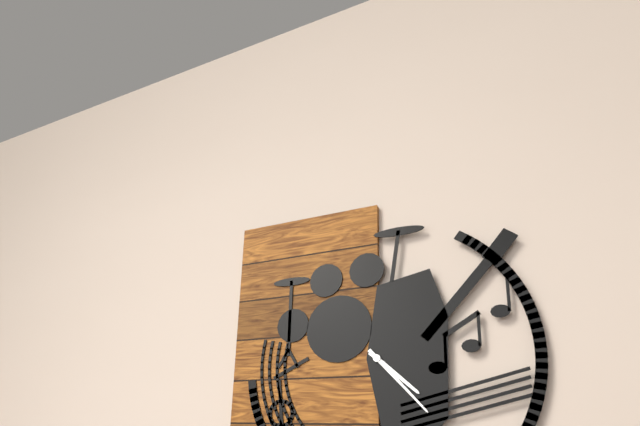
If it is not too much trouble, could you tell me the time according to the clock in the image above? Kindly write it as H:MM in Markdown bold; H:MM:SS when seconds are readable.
**4:23**
